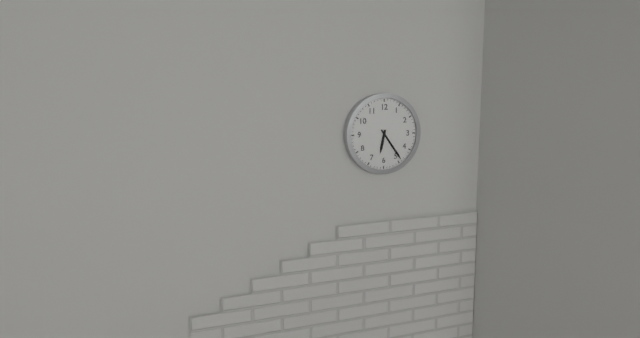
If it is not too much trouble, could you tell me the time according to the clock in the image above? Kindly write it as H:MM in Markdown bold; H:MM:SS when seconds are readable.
**6:24**
